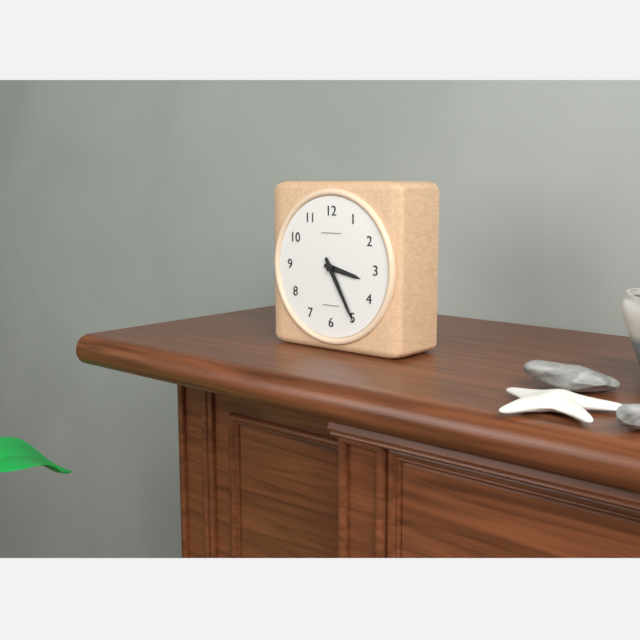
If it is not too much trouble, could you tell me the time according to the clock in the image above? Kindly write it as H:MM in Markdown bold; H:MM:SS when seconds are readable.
**3:25**
